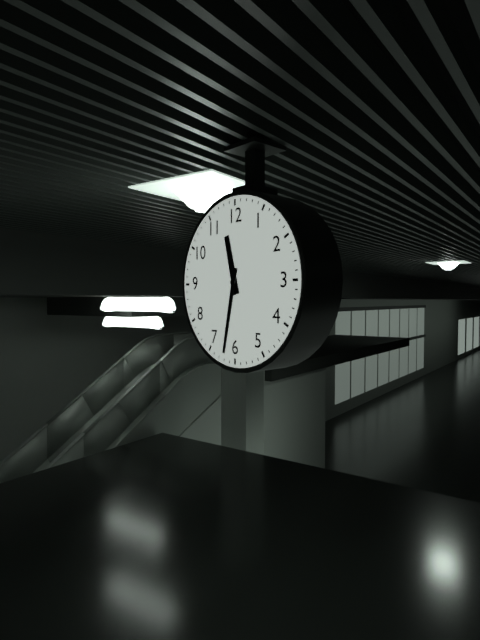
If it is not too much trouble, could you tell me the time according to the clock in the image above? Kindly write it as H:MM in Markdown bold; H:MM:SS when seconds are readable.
**11:32**
